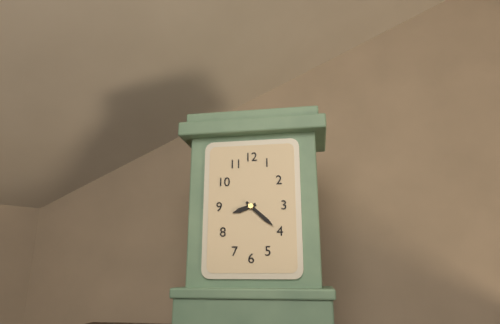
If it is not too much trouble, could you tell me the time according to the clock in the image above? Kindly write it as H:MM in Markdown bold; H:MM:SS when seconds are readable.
**8:22**
